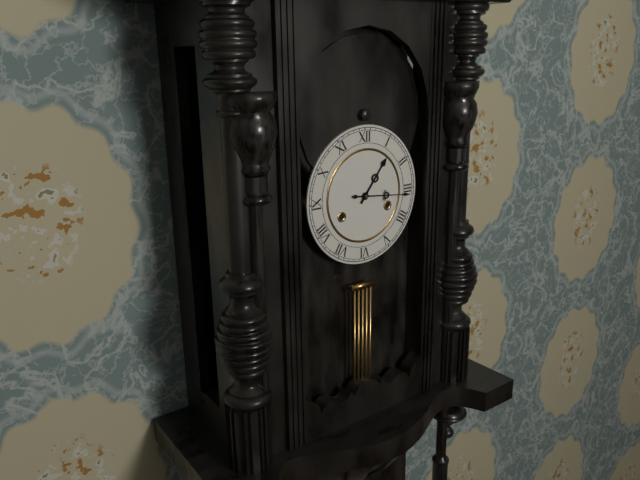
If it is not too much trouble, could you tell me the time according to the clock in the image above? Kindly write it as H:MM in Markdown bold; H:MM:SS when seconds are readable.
**1:16**
